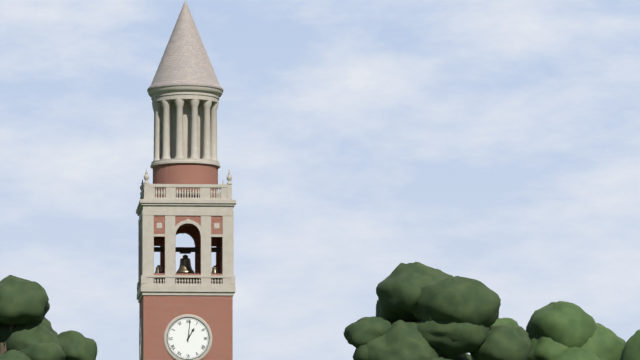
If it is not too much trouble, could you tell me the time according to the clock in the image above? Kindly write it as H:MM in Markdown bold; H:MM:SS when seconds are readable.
**1:01**
